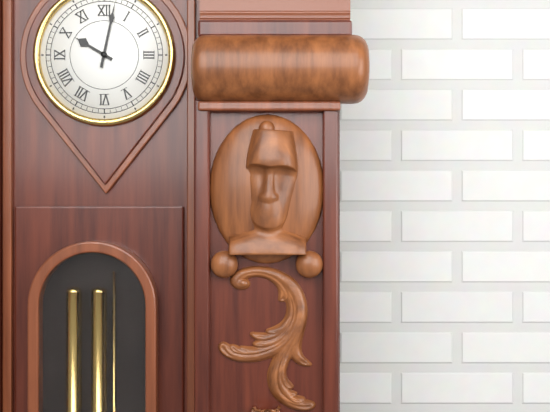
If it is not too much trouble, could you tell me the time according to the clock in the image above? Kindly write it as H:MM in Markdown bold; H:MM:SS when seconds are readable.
**10:02**
